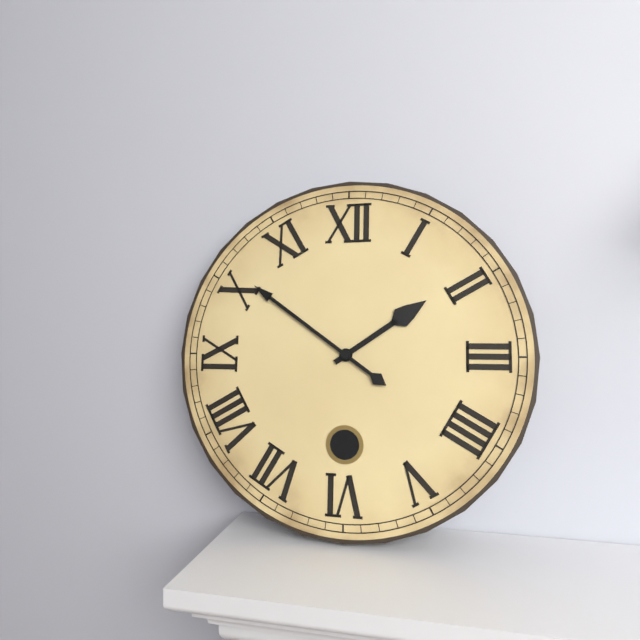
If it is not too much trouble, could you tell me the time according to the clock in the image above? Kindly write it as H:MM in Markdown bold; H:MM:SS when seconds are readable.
**1:51**
